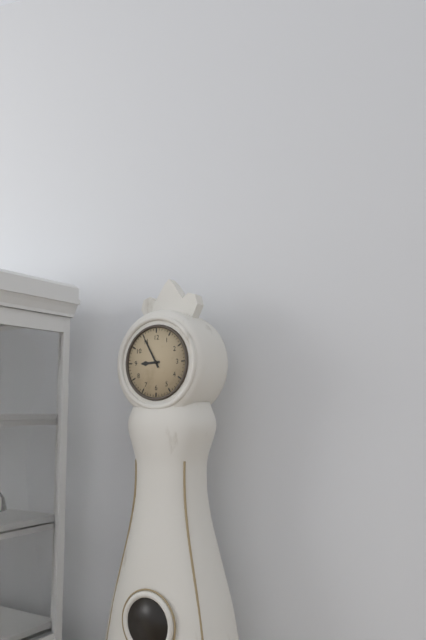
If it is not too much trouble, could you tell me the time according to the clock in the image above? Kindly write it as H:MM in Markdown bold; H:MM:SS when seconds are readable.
**8:55**
